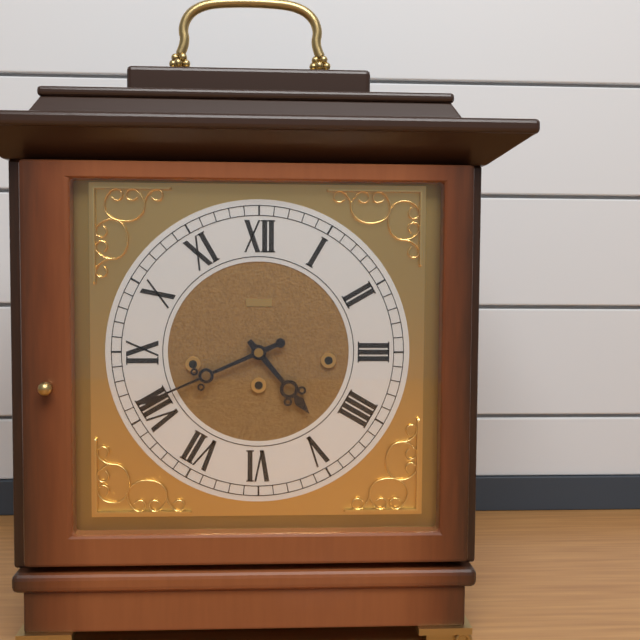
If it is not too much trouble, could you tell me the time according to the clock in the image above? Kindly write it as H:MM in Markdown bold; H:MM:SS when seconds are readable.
**4:41**
